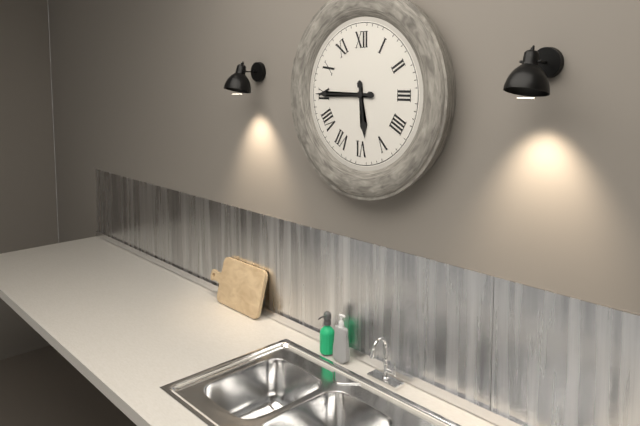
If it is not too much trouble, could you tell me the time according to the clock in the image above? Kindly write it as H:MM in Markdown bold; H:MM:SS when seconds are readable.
**5:45**
